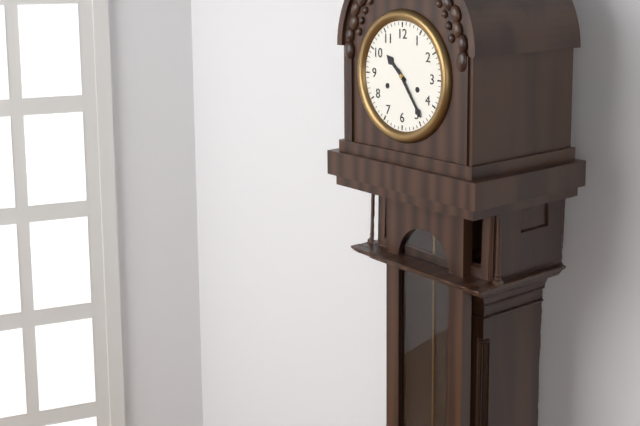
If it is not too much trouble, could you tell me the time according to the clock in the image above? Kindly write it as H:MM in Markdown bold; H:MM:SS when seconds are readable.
**10:24**
